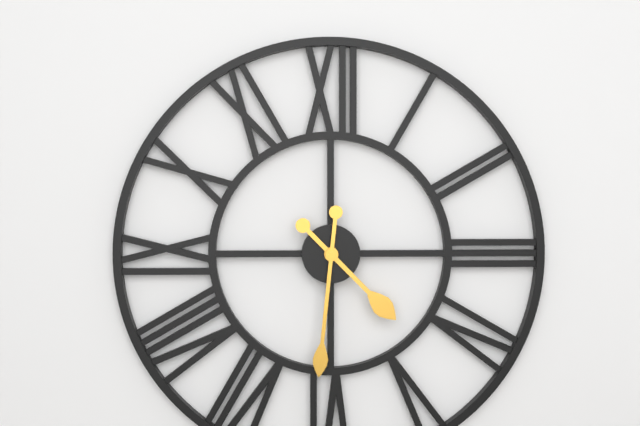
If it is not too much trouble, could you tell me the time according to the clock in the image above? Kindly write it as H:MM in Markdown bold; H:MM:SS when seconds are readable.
**4:31**
